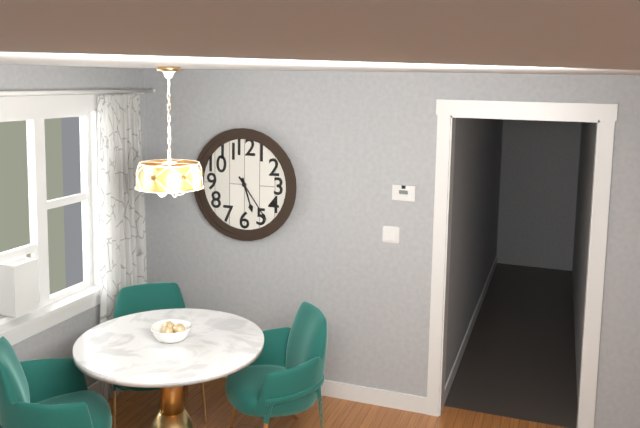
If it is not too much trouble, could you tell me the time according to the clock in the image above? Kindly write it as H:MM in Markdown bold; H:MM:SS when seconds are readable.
**5:24**
